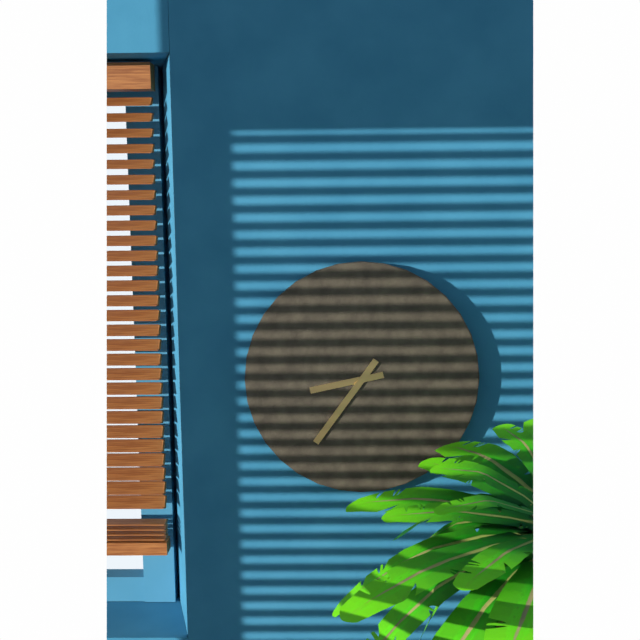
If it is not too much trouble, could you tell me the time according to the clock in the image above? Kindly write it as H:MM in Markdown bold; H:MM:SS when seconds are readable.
**8:36**
